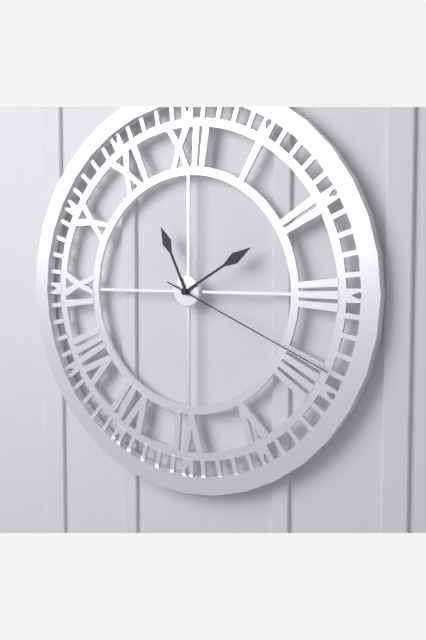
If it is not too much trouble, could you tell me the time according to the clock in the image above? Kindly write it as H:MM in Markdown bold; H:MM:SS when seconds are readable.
**11:10:19**
